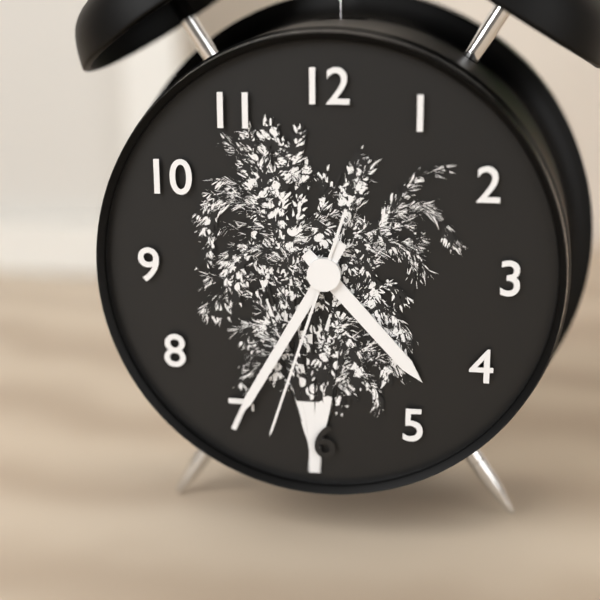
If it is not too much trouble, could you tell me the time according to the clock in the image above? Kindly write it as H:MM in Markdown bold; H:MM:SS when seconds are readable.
**4:35:33**
